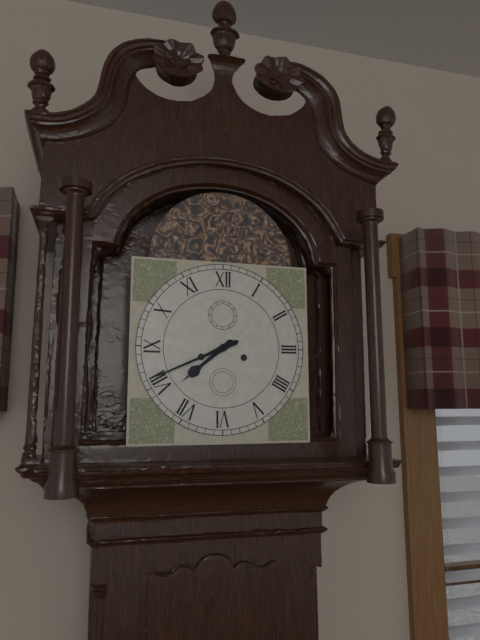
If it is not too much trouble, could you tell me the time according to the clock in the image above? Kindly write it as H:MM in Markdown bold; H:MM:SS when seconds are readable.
**7:41**
